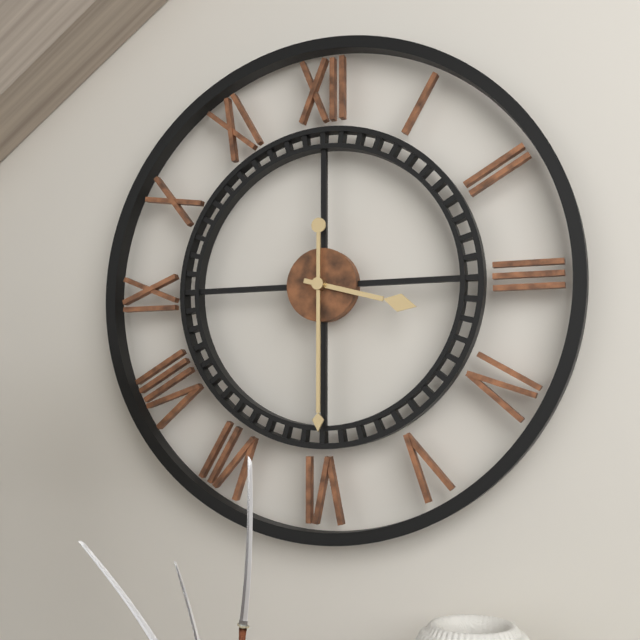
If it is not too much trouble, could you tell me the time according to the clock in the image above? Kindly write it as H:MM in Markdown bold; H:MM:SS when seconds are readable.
**3:30**
